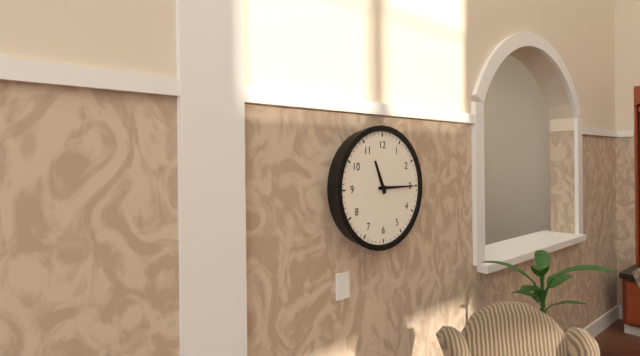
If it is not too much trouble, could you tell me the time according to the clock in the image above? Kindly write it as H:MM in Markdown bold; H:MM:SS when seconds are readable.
**11:15**
